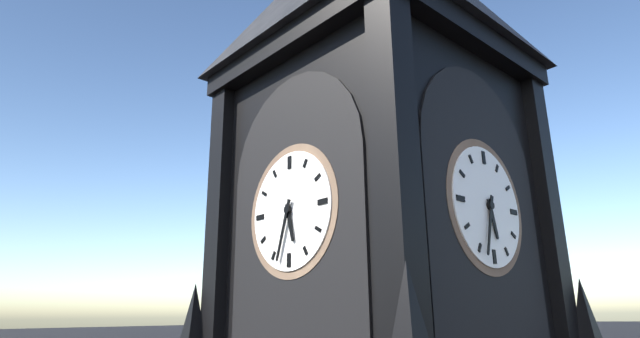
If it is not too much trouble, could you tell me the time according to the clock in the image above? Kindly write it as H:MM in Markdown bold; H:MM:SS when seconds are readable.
**5:33**
